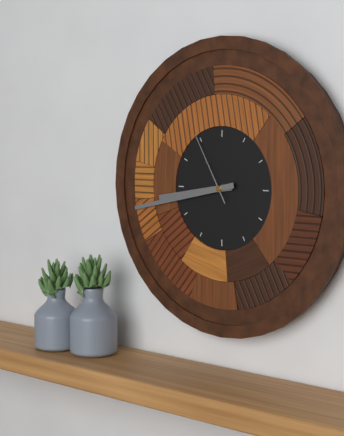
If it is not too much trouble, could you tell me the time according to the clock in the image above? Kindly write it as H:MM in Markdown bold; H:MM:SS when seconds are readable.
**8:43:55**
